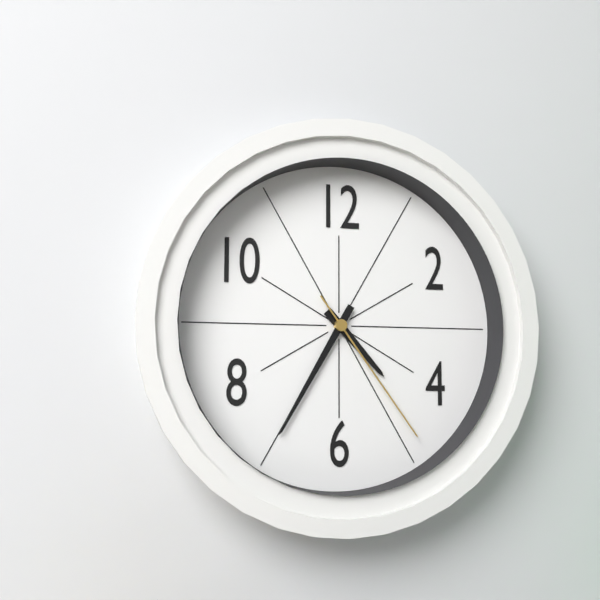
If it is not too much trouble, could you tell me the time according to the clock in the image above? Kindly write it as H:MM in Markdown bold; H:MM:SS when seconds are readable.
**4:35:24**
